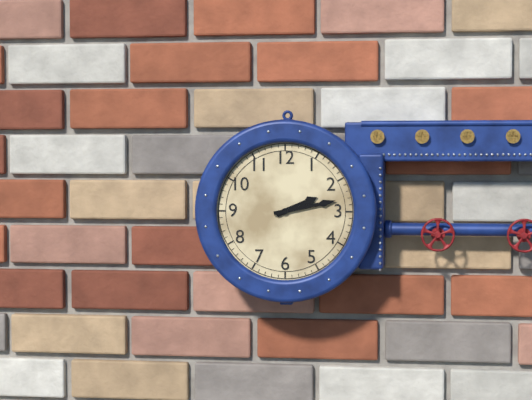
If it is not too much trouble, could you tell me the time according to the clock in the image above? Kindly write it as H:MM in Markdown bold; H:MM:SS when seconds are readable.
**2:13**
